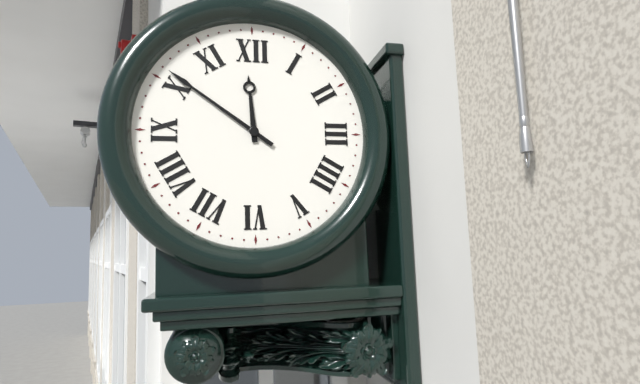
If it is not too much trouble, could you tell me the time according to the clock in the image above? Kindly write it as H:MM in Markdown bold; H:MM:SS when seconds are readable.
**11:51**
